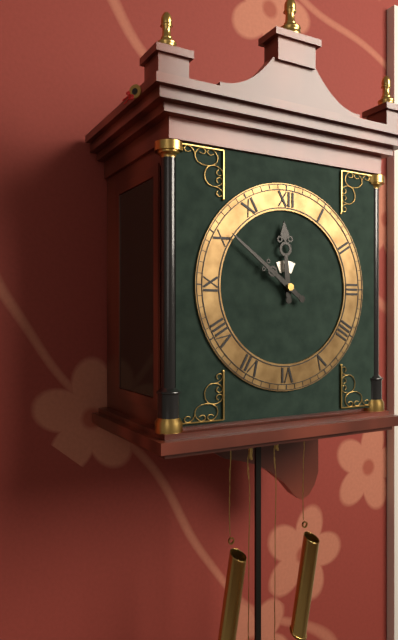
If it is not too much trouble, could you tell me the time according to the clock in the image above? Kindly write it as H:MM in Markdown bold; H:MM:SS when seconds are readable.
**11:51**
